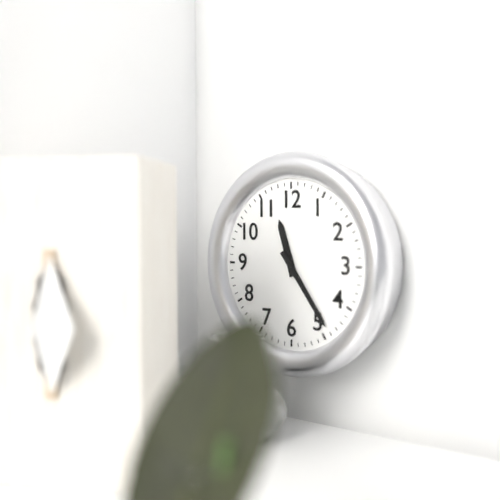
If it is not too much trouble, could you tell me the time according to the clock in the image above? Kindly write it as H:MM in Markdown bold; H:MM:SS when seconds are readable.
**11:24**
